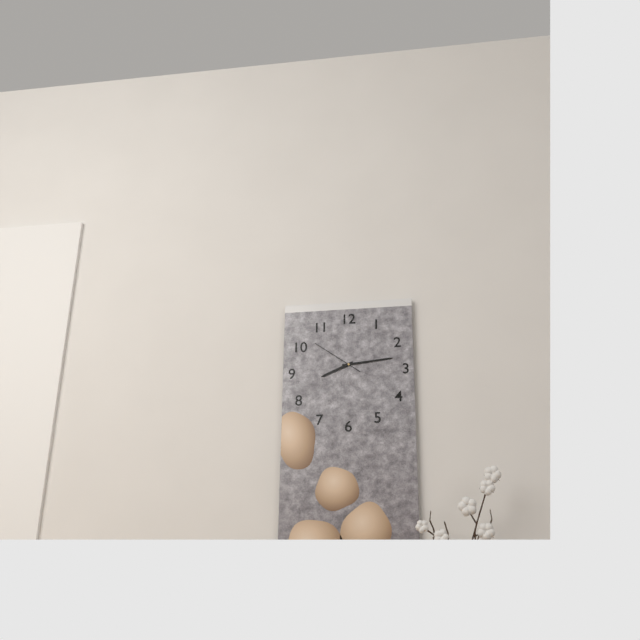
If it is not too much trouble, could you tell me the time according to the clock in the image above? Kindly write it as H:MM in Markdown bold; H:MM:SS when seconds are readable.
**8:14:51**
